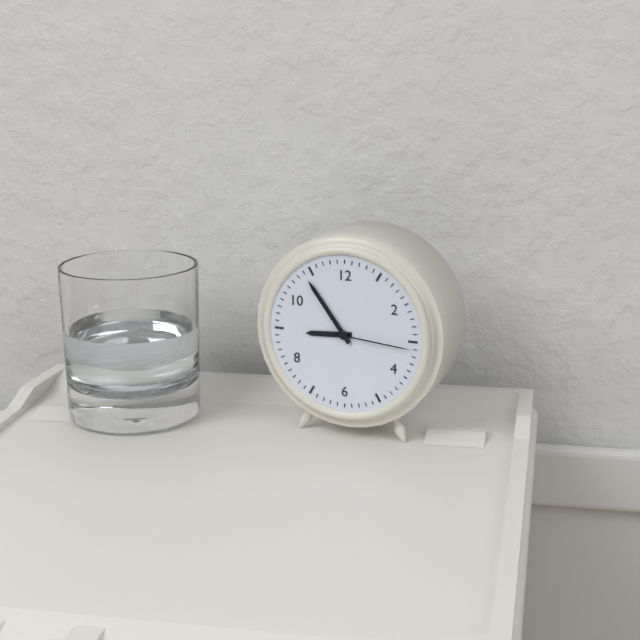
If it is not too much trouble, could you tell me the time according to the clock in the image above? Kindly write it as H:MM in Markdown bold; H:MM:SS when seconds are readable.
**8:54:16**
